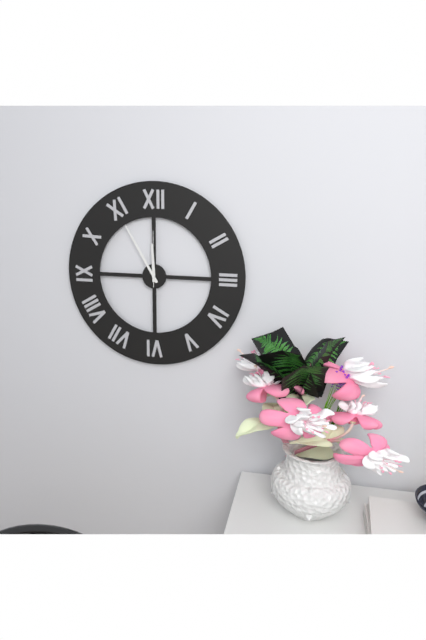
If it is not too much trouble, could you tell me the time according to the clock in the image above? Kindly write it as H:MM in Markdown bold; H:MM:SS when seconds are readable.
**11:55:00**
